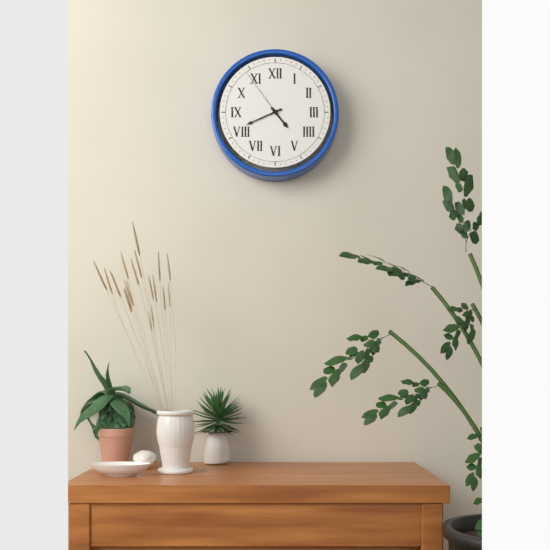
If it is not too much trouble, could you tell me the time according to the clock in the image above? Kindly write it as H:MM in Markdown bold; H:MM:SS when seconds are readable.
**4:41:54**
